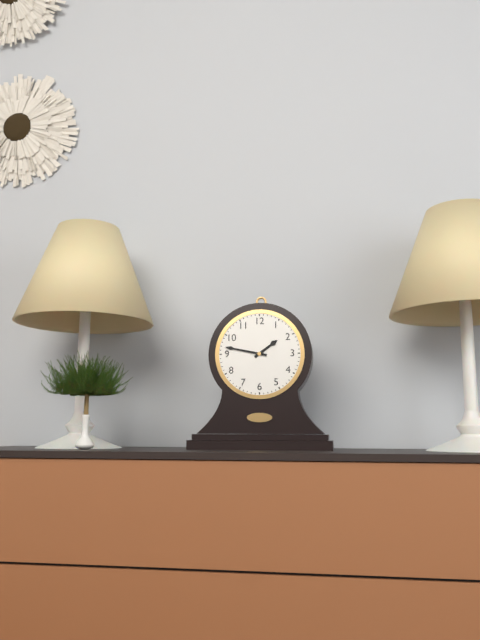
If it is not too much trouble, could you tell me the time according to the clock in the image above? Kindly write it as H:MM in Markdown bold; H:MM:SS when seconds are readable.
**1:47**
